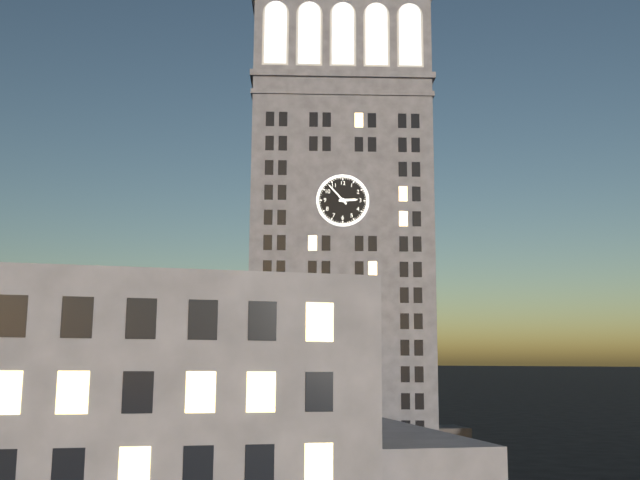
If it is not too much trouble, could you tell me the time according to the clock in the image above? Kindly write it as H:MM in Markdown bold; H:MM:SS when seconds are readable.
**2:53**
